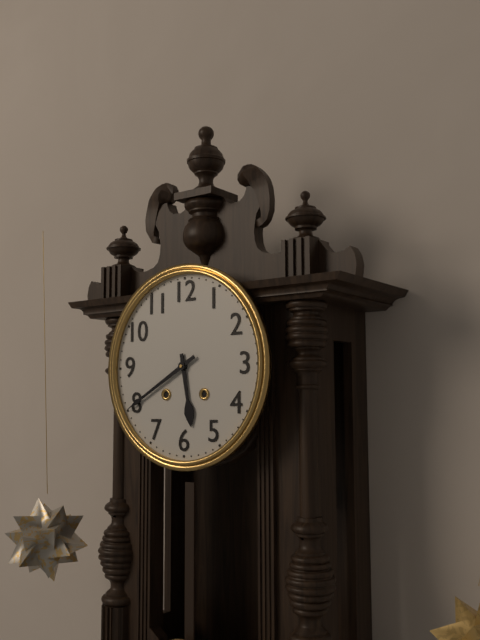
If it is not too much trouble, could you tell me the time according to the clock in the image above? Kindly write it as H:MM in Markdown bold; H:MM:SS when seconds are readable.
**5:40**
